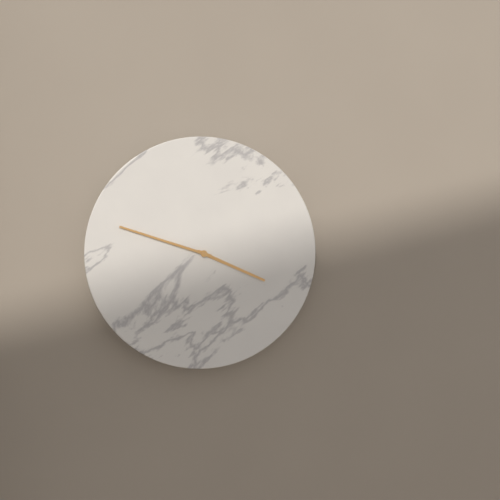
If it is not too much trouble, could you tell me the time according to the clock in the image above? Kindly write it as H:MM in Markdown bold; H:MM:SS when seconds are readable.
**3:48**
